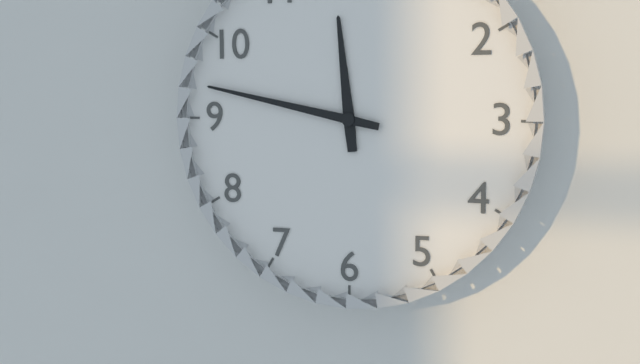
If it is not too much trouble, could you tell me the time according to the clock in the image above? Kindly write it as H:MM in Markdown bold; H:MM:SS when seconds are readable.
**11:47**
